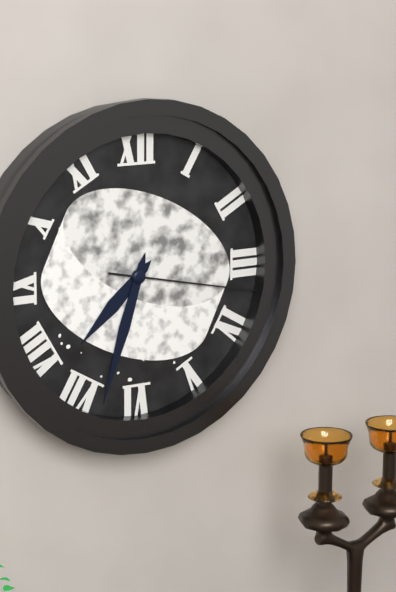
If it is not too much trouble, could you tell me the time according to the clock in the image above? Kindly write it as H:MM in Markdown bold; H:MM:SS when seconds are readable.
**7:33:17**
